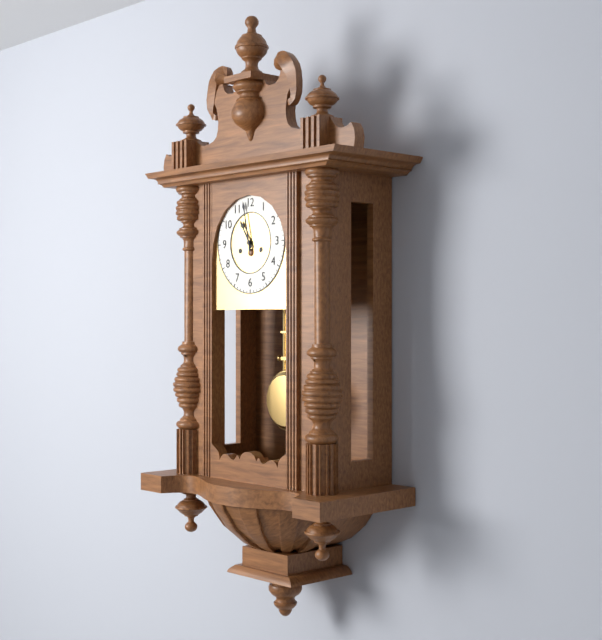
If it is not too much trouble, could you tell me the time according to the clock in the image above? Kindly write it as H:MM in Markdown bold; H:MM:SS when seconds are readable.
**10:58**
